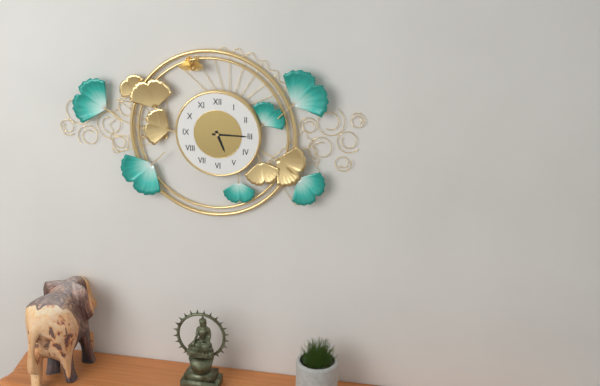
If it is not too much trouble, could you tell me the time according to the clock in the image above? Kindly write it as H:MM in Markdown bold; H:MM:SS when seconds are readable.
**5:15**
